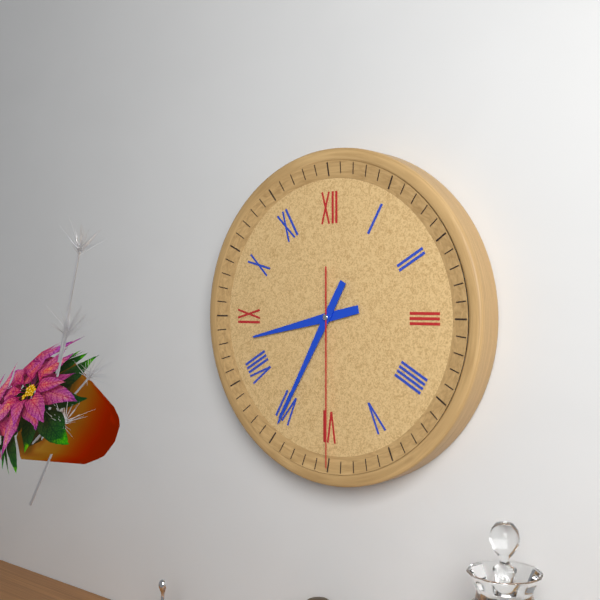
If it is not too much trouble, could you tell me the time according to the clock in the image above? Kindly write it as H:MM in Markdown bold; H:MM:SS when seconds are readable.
**8:35:30**
